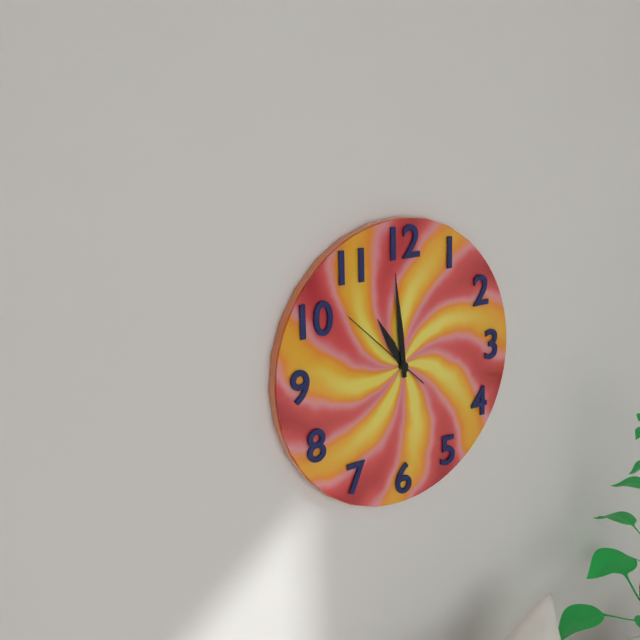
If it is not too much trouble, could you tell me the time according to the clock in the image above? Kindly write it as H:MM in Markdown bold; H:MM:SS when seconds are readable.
**10:59:52**
